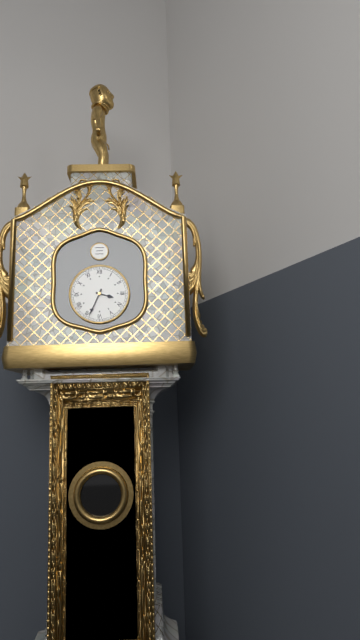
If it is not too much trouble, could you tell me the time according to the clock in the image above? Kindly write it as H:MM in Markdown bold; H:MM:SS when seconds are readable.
**3:34**
